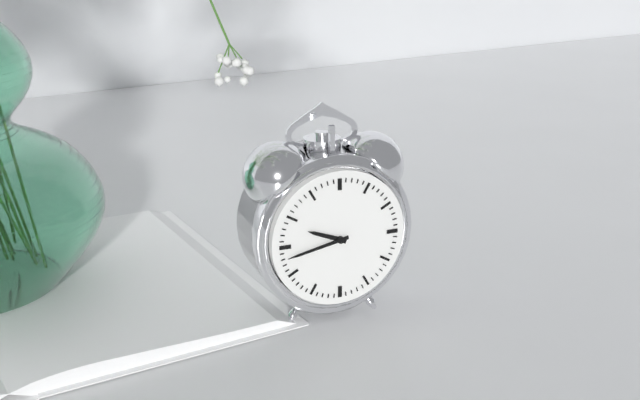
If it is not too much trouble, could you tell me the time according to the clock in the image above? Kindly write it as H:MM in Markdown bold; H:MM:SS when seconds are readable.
**9:43**
